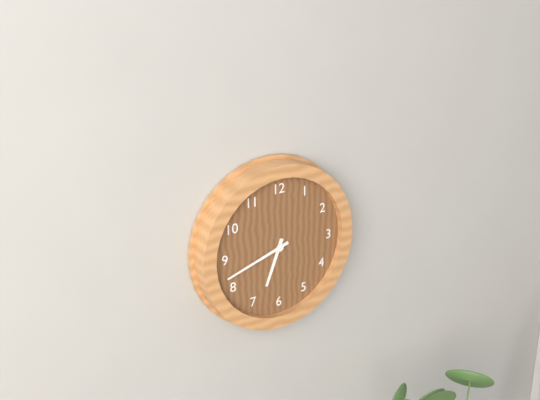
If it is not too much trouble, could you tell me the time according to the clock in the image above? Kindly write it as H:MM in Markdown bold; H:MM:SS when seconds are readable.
**6:42**
